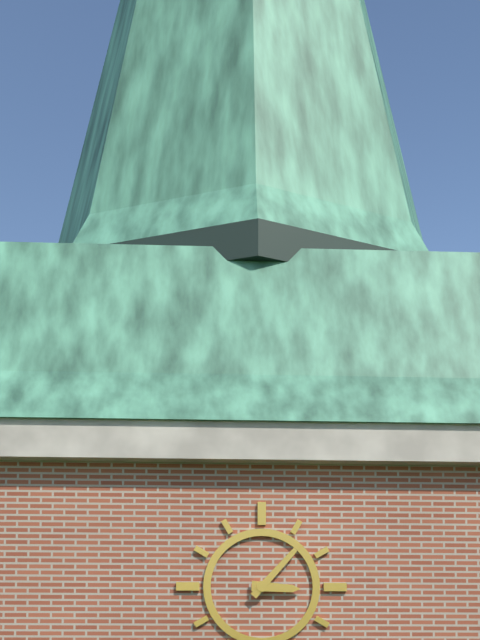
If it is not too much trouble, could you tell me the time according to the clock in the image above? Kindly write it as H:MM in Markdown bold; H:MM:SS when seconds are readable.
**3:07**
